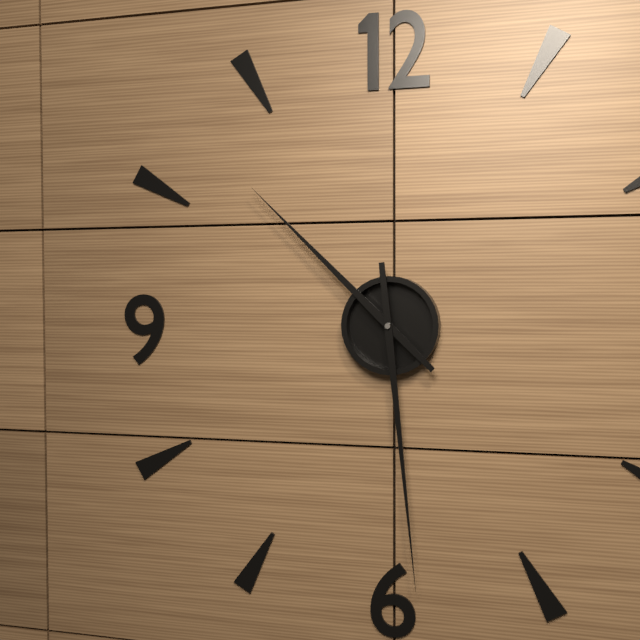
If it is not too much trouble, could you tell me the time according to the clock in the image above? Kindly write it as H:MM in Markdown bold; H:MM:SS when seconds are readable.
**10:29**
